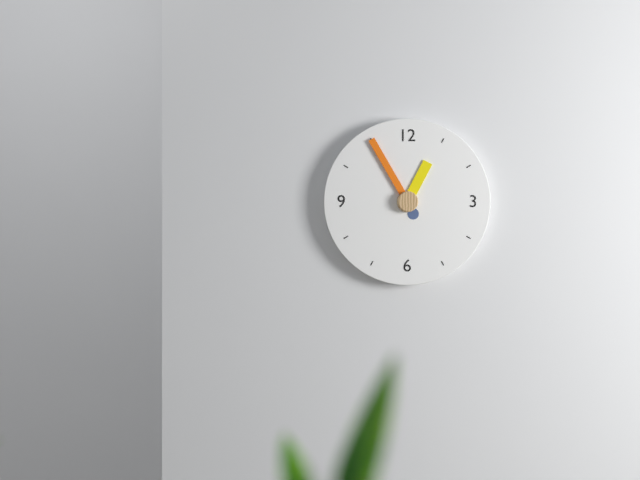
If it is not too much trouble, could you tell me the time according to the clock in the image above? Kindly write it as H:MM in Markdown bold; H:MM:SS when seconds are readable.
**12:55**
